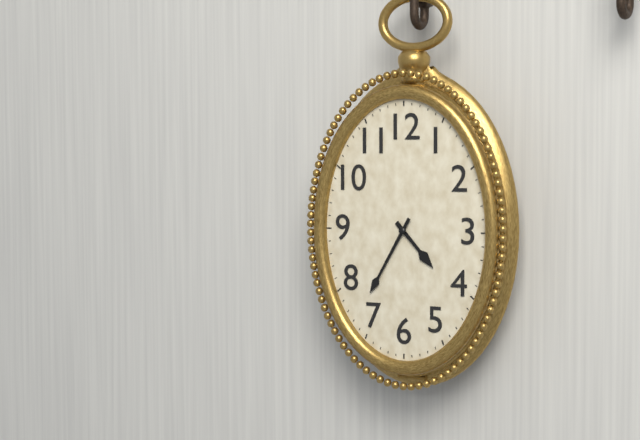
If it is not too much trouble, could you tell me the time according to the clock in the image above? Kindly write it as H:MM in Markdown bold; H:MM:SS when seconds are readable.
**4:35**
